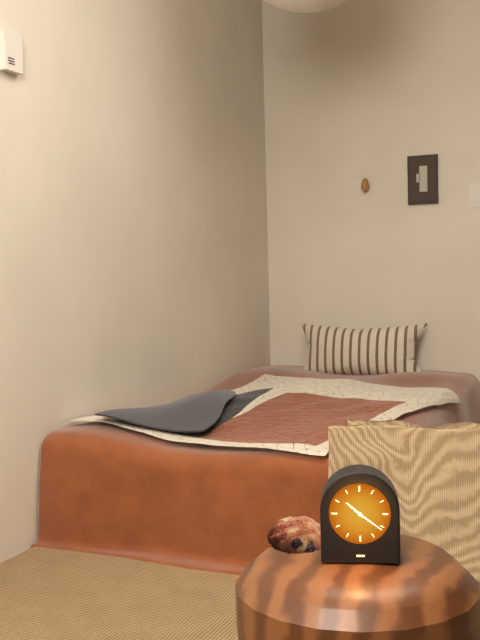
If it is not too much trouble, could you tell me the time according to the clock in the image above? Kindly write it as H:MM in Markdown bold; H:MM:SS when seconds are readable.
**10:21**
